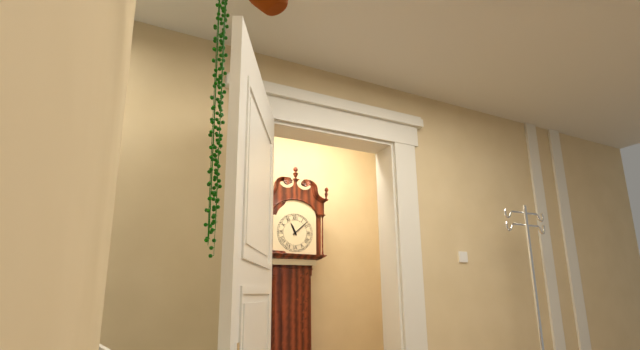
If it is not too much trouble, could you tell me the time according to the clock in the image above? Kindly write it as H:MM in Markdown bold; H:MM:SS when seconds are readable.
**11:08**
